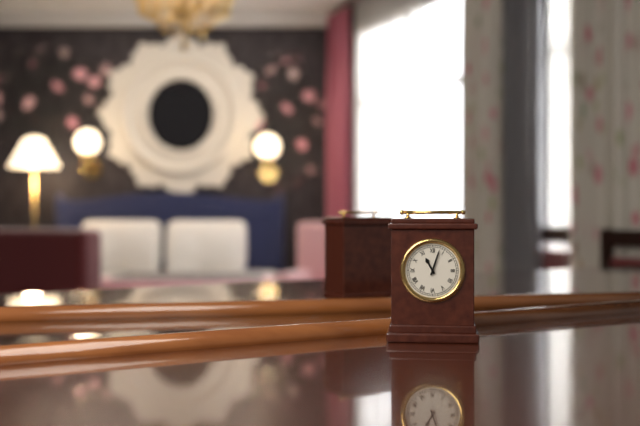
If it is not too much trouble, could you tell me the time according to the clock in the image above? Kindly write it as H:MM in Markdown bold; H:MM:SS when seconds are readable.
**11:03**
